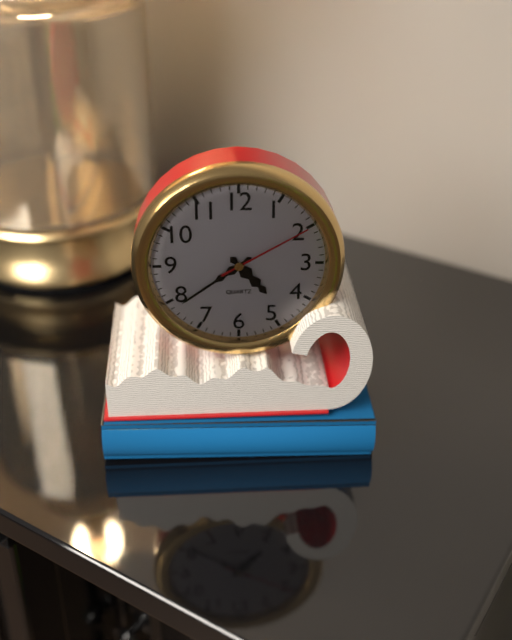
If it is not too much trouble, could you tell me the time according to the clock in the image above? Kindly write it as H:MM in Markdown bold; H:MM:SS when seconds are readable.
**4:39:10**
